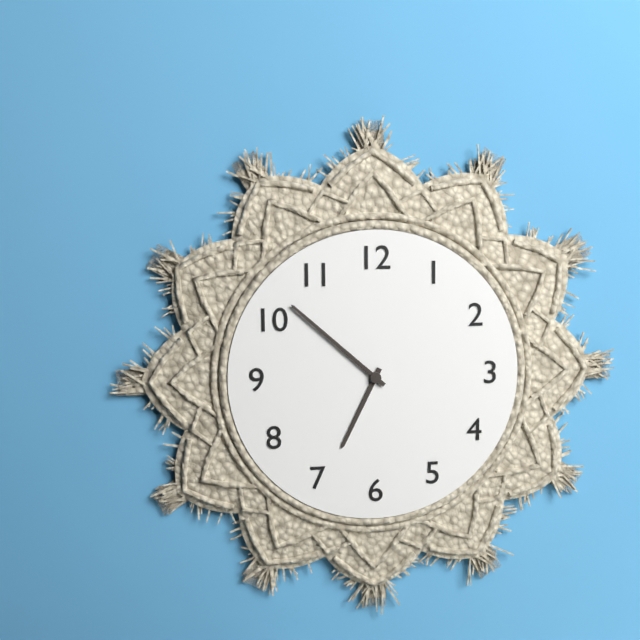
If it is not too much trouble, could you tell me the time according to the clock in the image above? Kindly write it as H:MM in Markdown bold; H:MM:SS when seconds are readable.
**6:52**
